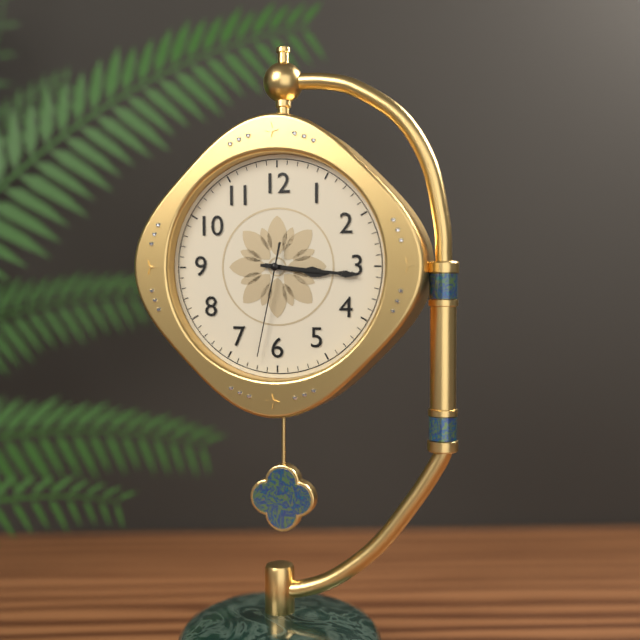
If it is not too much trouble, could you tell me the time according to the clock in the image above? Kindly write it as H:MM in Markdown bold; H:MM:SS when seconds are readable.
**3:16:32**
